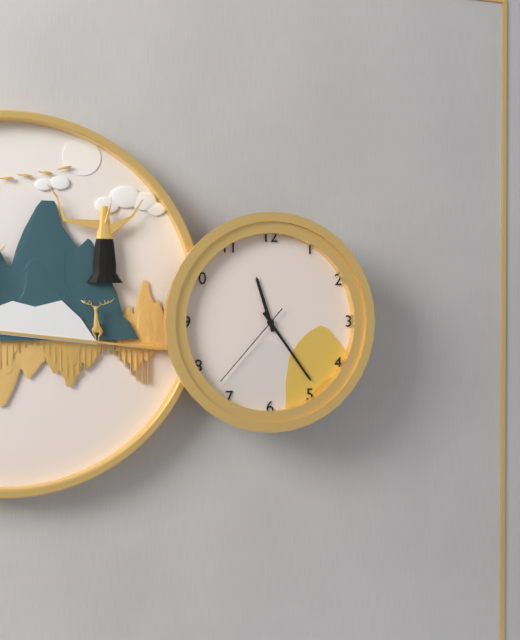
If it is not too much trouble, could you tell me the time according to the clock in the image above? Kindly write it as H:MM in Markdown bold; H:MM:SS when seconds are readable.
**11:24:37**
